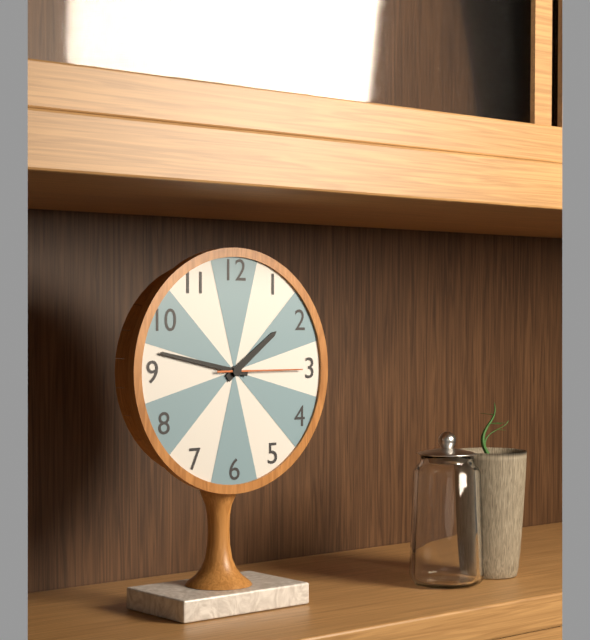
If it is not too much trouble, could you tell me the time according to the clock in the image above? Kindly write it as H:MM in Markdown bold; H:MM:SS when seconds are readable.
**1:47:15**
